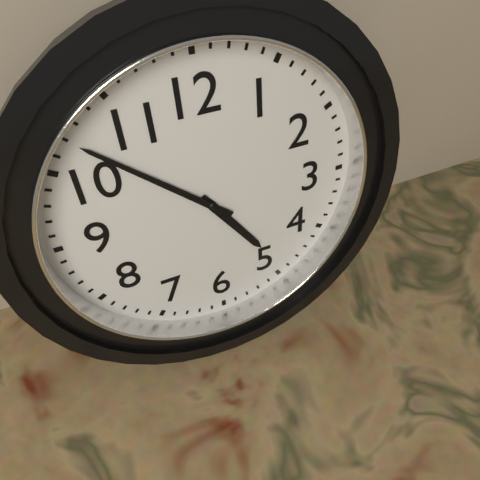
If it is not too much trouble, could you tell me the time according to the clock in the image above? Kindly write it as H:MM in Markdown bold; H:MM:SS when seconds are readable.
**4:52**
